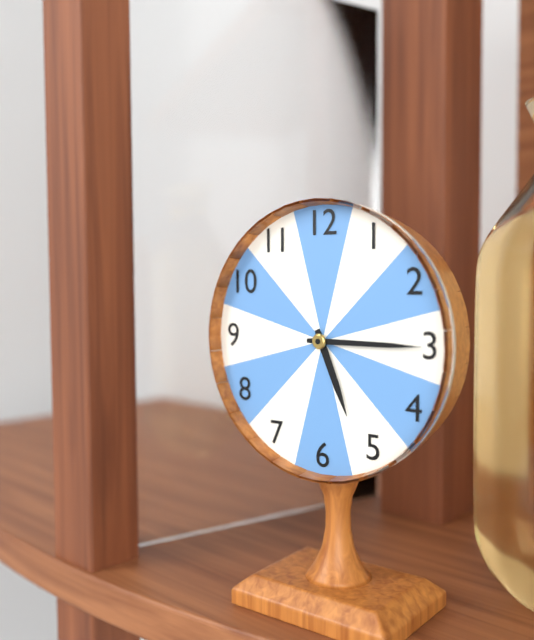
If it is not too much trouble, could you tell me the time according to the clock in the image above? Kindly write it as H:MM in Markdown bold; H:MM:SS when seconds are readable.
**5:15**
